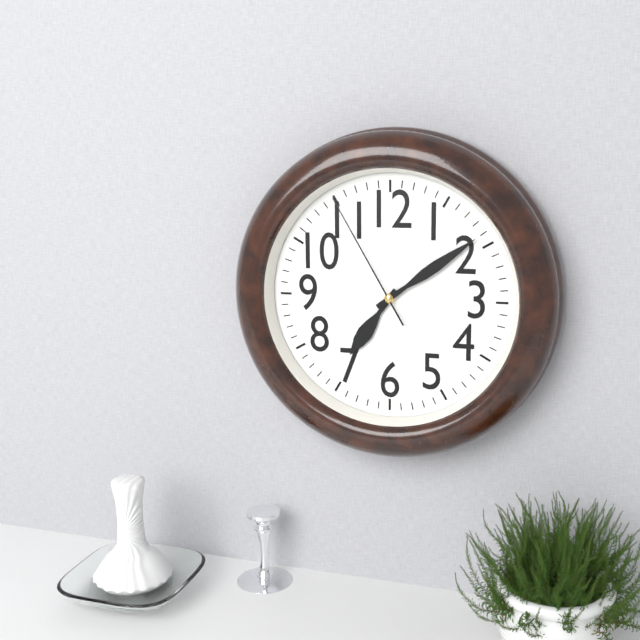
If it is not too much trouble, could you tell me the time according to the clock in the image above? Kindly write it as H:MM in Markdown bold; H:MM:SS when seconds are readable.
**7:09:55**
